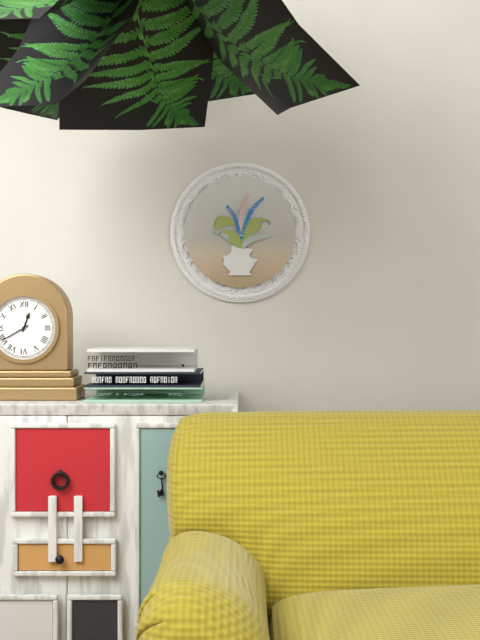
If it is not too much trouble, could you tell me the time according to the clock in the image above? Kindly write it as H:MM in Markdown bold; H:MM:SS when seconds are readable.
**12:40**
